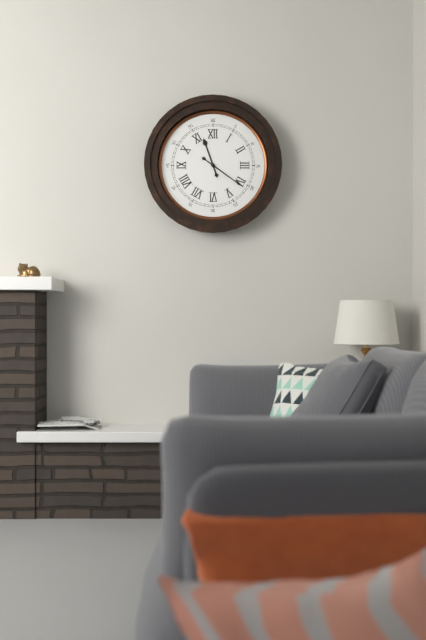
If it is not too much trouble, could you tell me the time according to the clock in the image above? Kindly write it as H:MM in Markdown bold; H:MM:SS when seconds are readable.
**11:21**
